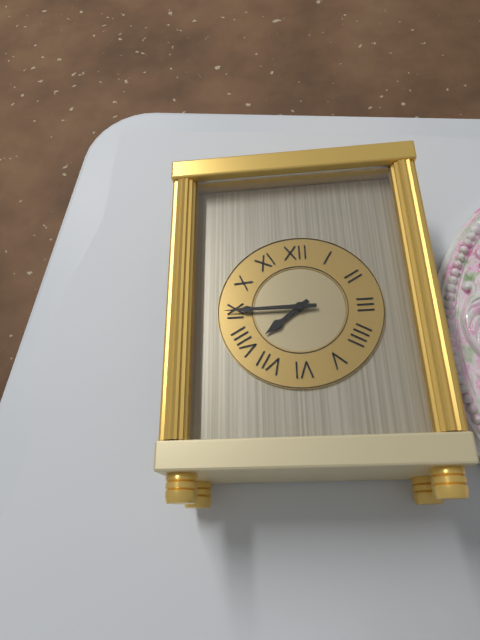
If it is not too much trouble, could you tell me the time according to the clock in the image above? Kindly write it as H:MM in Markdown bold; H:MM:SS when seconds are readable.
**7:45**
